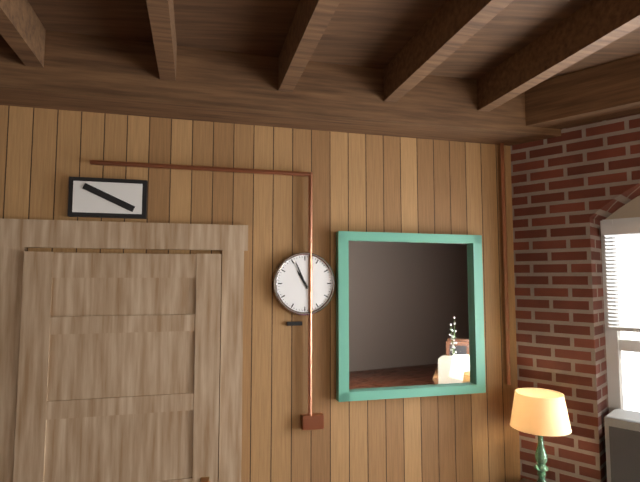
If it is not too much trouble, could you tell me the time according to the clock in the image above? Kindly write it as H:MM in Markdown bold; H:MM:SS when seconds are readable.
**10:56**
